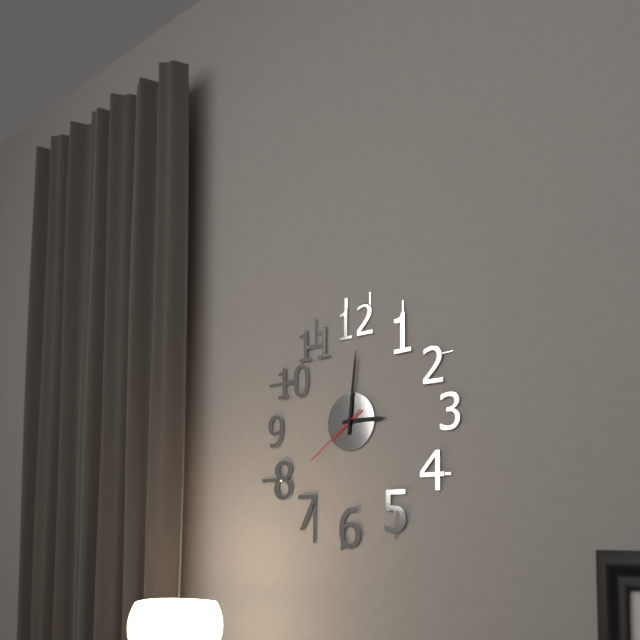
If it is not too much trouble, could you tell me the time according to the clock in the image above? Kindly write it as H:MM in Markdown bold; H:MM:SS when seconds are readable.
**3:01:39**
